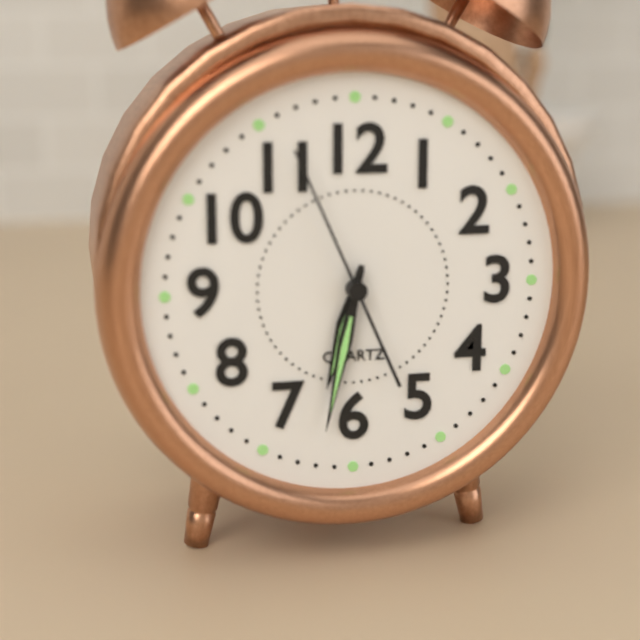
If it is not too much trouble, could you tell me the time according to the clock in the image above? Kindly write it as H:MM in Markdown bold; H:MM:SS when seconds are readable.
**6:32:56**
